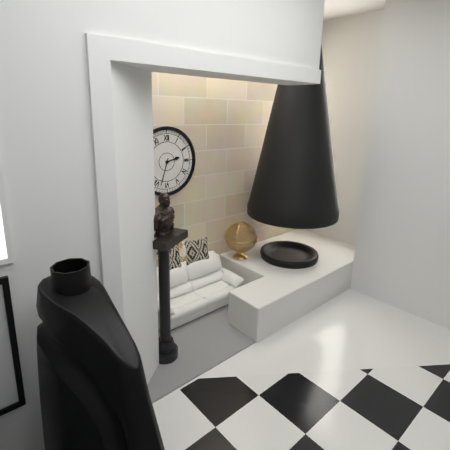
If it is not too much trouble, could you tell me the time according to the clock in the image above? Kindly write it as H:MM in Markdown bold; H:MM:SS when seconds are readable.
**2:33**
